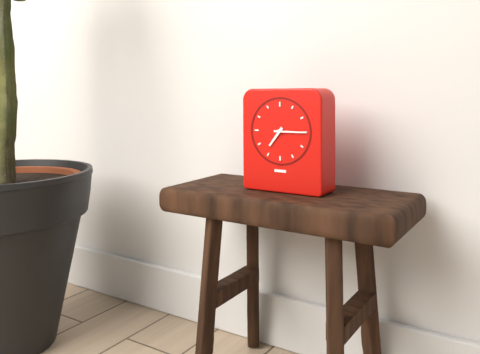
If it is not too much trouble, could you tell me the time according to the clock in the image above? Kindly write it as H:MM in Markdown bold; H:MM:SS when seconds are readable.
**7:15**
